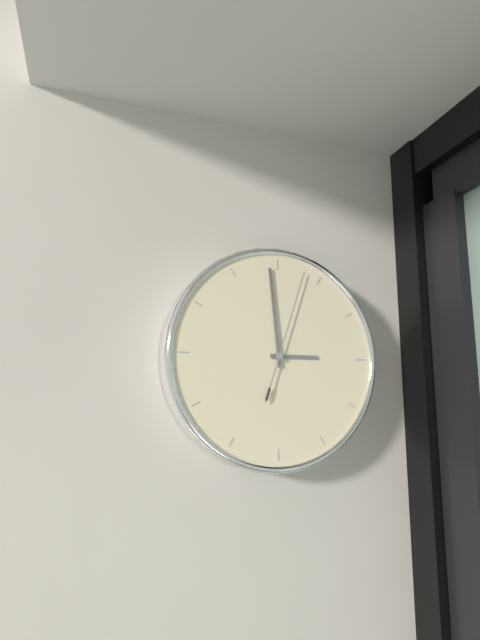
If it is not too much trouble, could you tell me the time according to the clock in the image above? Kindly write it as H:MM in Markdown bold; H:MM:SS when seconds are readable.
**2:59:03**
